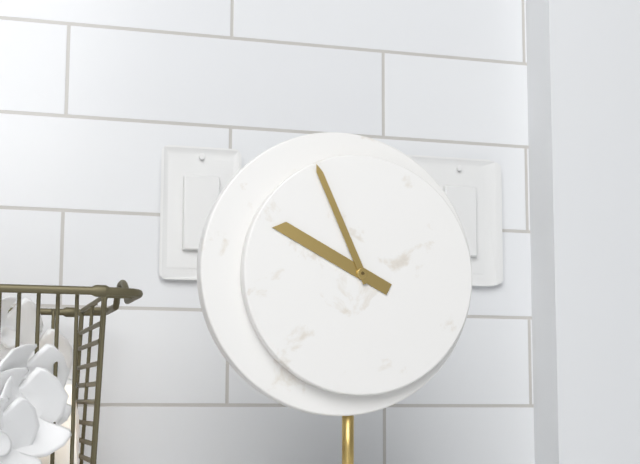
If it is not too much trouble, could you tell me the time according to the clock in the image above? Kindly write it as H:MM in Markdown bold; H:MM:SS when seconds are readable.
**9:56**
